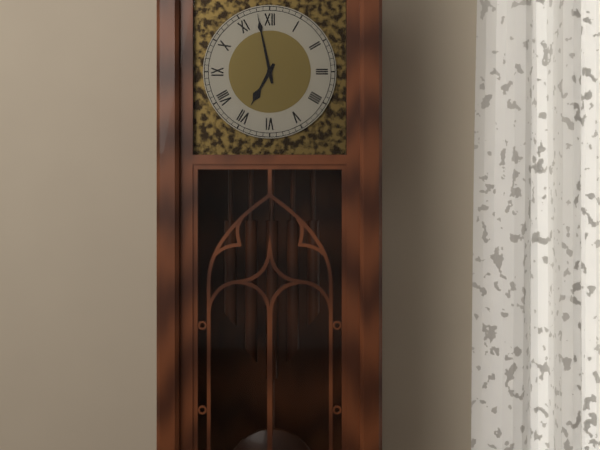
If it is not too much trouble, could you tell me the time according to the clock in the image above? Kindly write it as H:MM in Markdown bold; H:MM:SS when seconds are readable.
**6:58**
